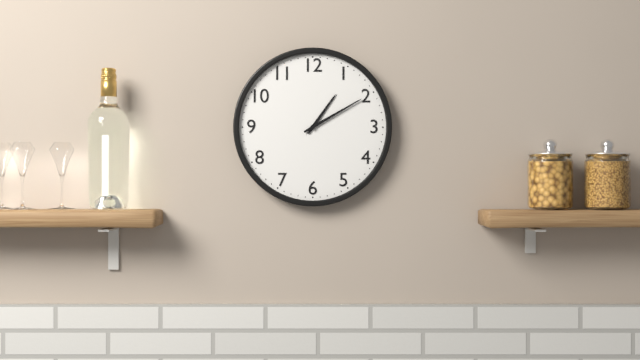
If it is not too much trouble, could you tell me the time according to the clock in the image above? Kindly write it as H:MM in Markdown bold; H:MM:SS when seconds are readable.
**1:10**
